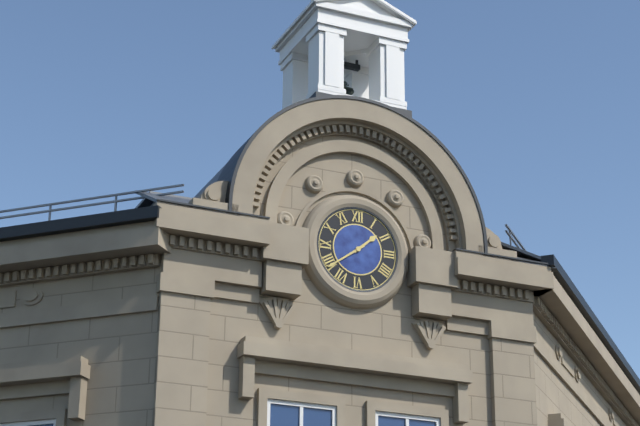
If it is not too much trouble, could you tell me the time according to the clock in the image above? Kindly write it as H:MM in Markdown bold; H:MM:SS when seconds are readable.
**1:39**
